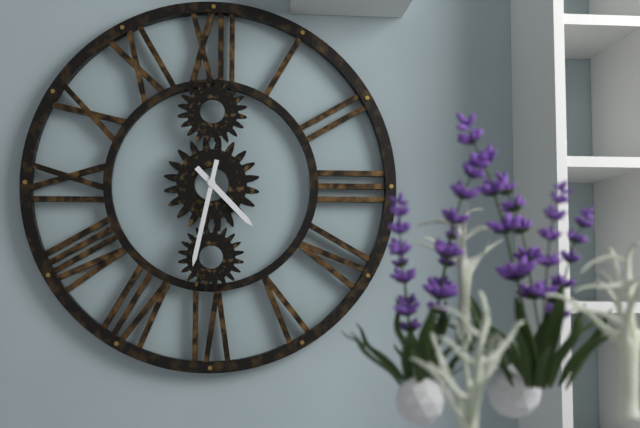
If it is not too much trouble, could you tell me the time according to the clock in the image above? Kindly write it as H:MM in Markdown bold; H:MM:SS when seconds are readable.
**4:32**
